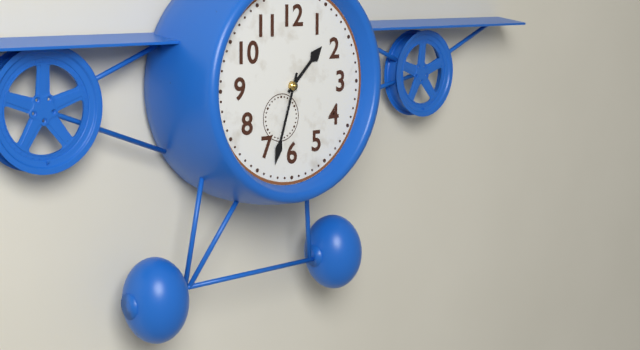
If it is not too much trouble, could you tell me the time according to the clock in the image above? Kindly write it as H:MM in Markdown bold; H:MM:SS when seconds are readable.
**1:33**
